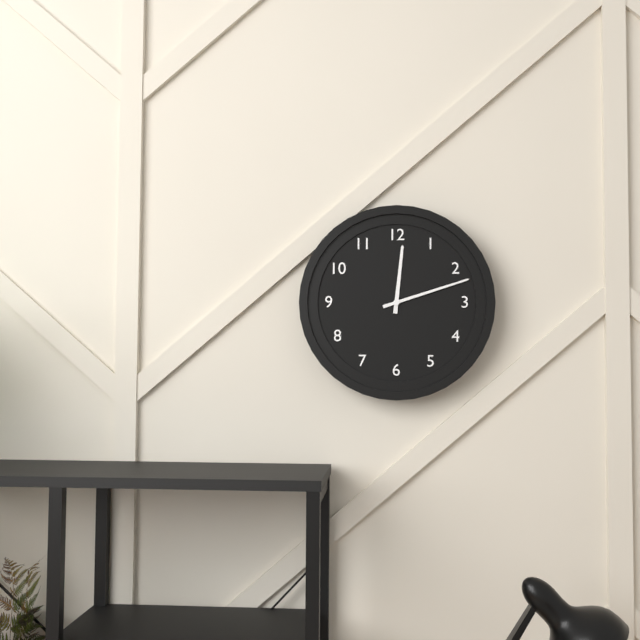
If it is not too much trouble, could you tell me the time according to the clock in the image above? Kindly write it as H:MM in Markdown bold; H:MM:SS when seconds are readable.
**12:12**
